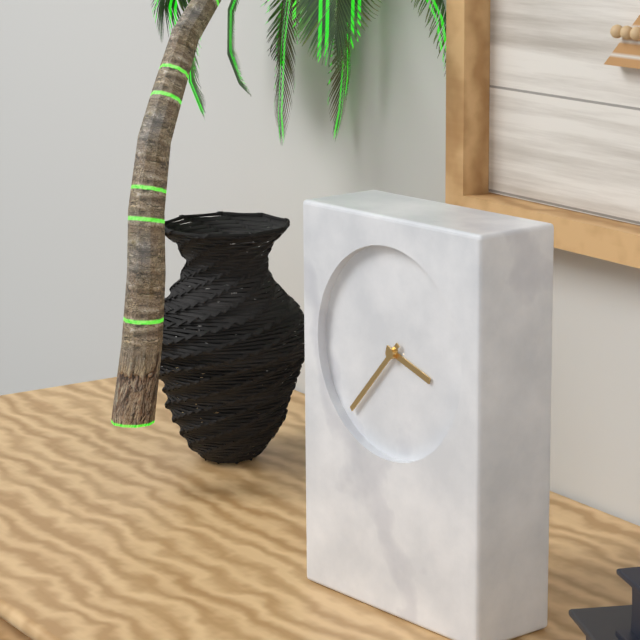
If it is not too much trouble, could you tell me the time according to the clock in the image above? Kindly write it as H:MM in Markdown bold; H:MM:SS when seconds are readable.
**3:37**
